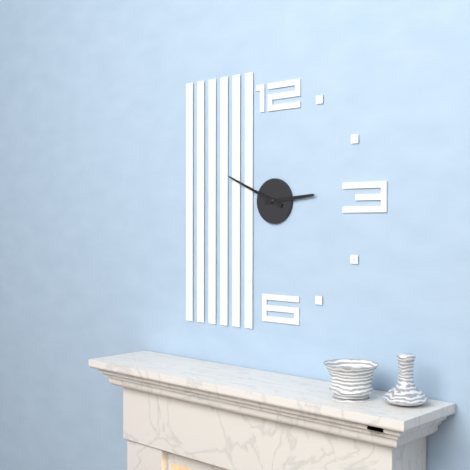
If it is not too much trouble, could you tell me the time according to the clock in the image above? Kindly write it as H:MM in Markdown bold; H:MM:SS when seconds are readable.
**2:49**
